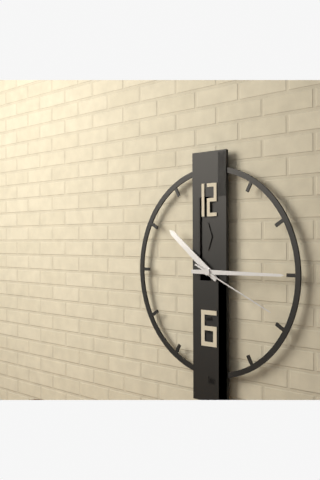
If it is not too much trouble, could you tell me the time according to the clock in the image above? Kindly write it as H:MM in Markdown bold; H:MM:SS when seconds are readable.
**10:15:19**
